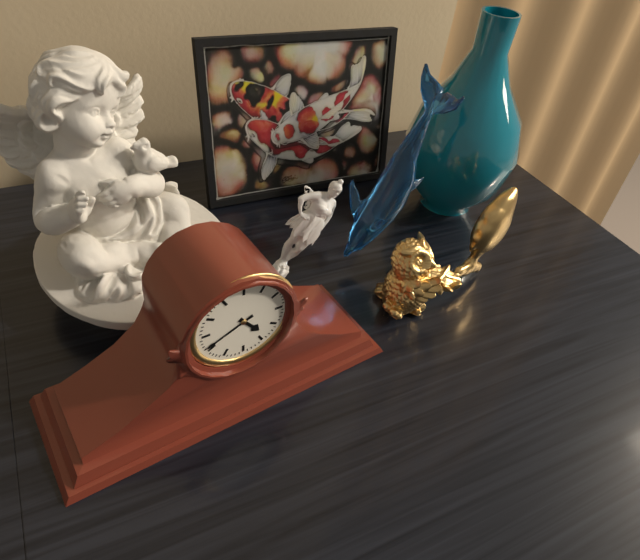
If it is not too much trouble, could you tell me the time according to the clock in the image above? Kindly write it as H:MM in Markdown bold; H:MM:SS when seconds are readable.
**4:41**
